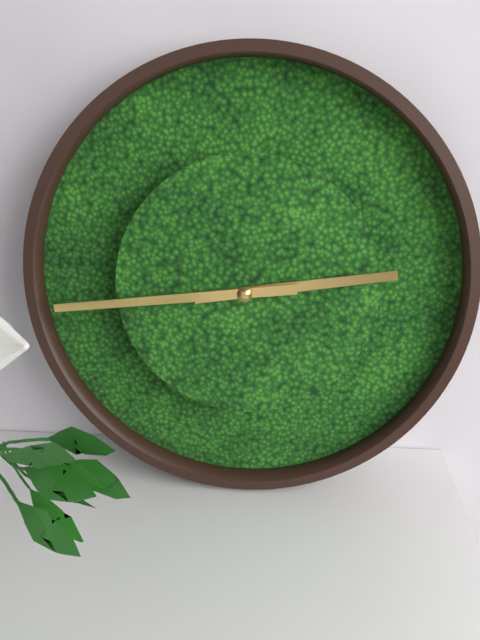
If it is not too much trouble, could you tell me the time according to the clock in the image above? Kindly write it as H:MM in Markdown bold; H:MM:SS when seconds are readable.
**2:44**
